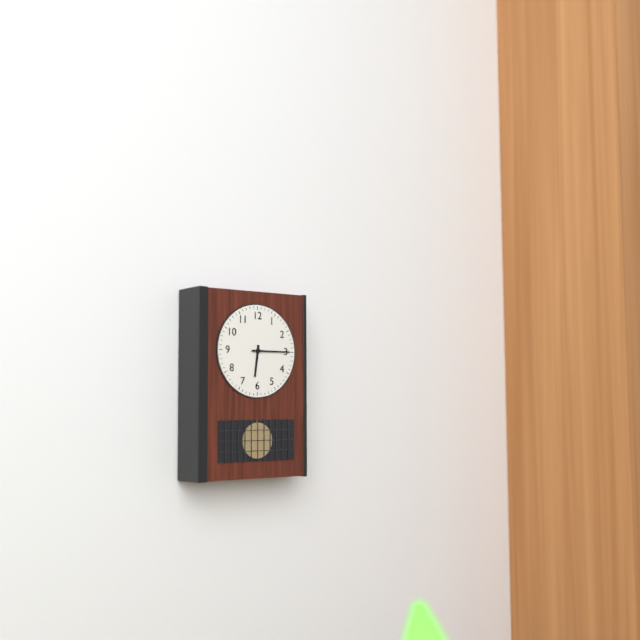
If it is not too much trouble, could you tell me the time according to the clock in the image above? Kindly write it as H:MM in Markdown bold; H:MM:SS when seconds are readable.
**6:15**
